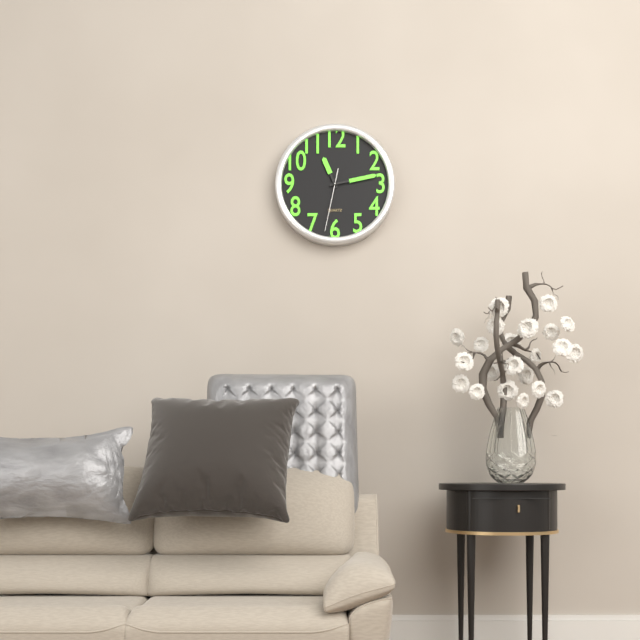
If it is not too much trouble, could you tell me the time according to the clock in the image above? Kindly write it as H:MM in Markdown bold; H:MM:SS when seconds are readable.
**11:13:32**
